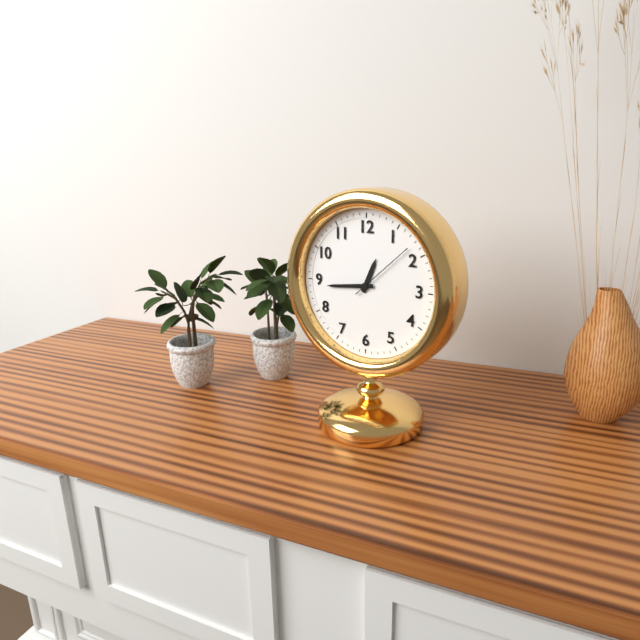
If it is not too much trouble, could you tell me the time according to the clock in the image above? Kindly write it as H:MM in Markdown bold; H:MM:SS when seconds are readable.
**12:44:08**
